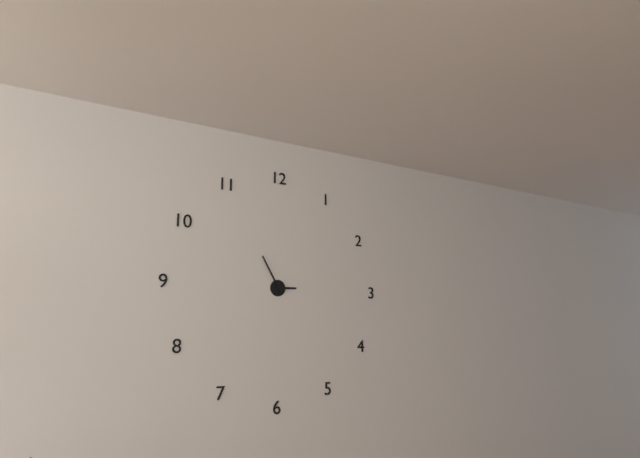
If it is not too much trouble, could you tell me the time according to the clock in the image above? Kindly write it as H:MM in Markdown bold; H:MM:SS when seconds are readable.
**2:55**
